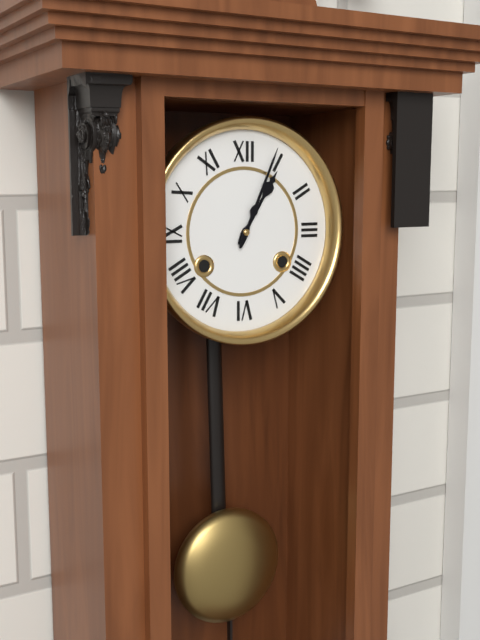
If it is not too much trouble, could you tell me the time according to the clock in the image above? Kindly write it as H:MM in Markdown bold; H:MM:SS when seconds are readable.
**1:04**
